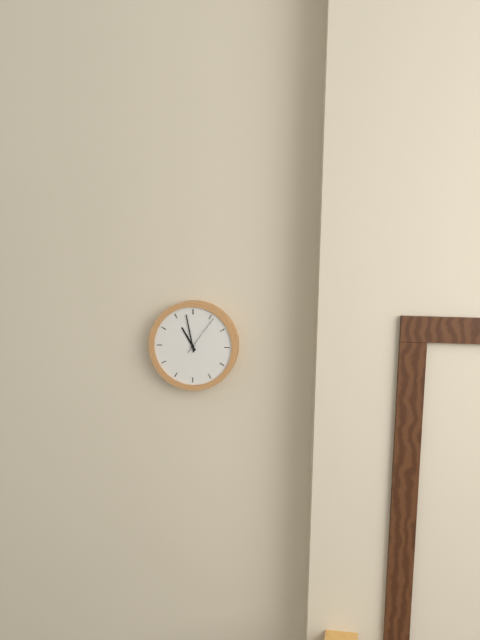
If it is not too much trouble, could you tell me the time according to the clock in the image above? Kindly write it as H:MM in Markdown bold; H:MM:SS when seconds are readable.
**10:58**
